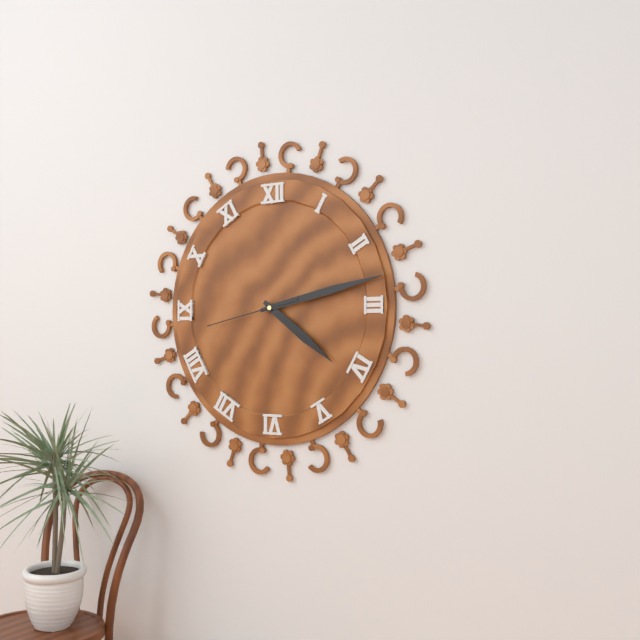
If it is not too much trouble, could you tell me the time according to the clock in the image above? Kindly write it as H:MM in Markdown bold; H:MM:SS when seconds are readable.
**4:13:43**
